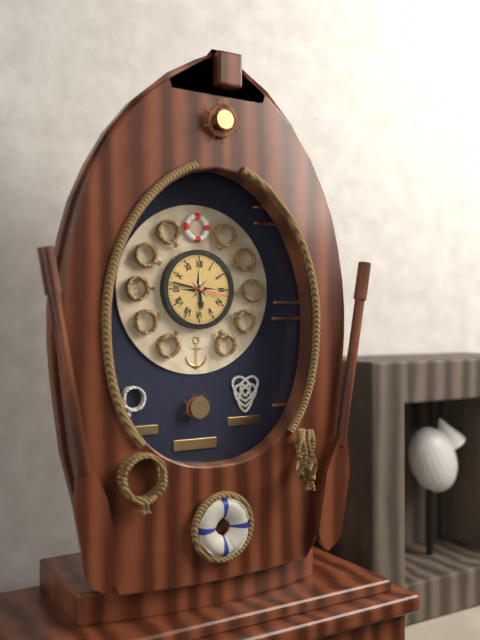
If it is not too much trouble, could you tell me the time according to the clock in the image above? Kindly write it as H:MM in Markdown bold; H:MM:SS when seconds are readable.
**5:47**
